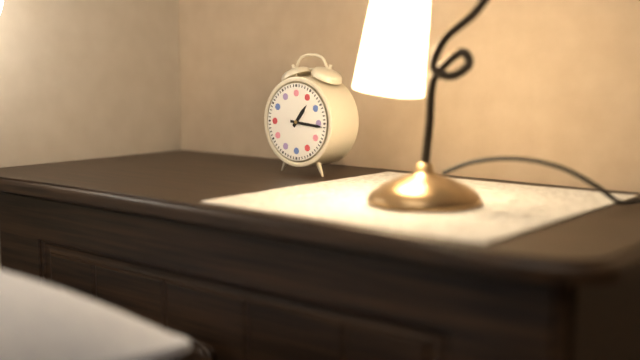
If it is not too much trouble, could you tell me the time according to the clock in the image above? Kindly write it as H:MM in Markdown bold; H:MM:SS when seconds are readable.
**1:16**
